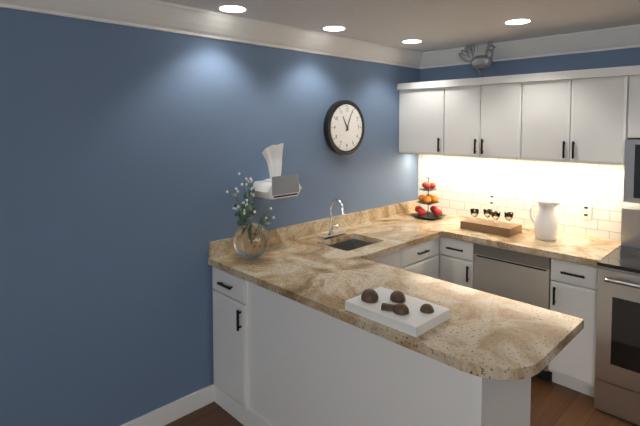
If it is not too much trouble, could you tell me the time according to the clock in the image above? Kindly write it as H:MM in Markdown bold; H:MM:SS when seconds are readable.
**11:04**
